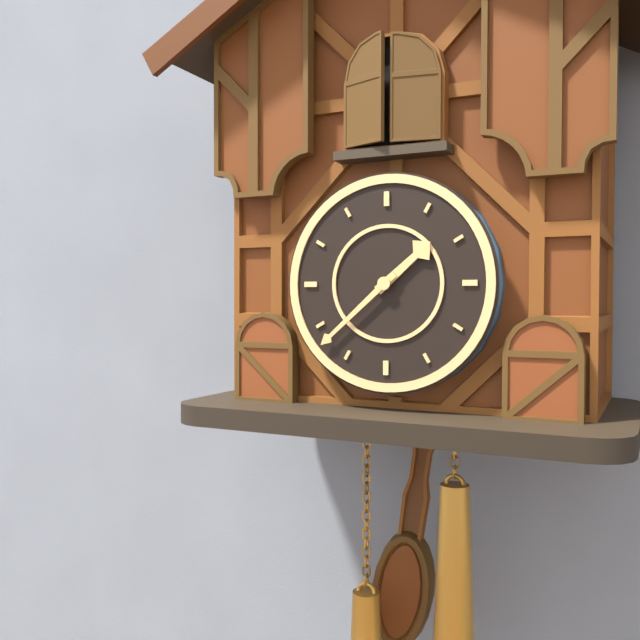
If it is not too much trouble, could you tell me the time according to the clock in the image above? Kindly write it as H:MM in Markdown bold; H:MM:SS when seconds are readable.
**1:38**
